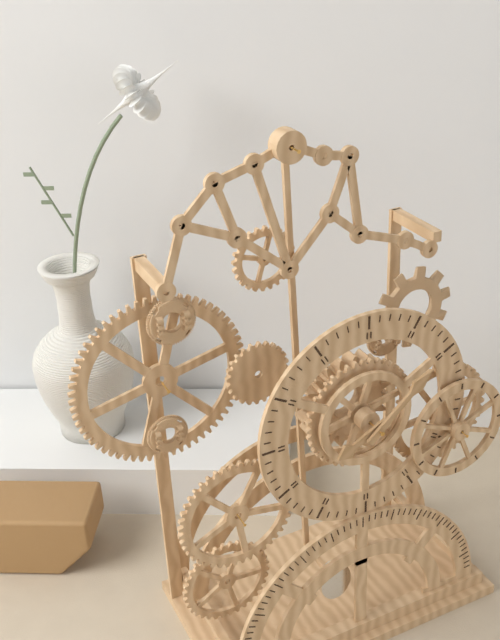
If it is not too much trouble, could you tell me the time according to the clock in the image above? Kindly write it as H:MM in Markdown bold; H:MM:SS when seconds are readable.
**8:08**
